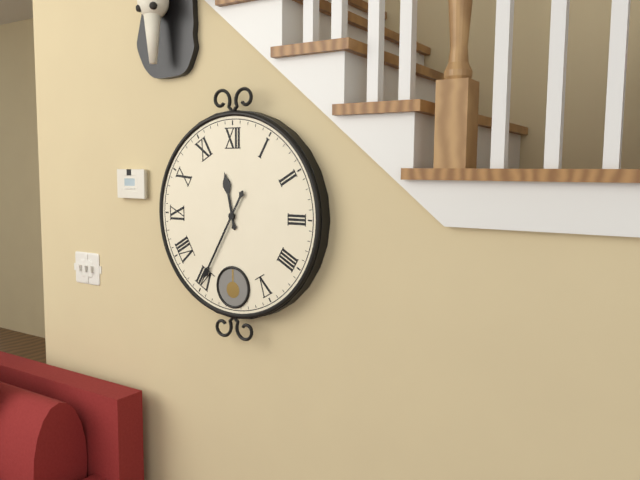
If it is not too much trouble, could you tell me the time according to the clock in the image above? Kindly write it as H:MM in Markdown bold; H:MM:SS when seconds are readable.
**11:35**
